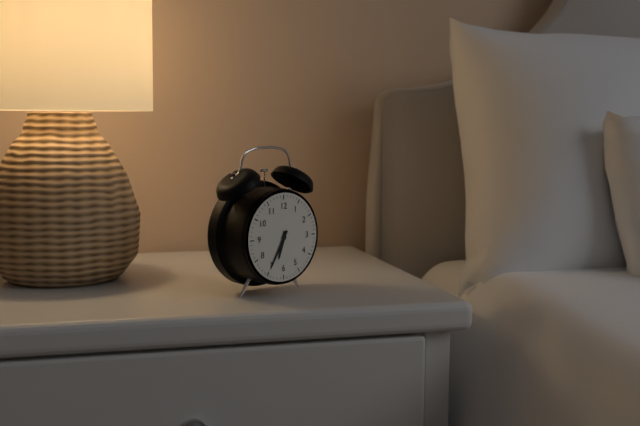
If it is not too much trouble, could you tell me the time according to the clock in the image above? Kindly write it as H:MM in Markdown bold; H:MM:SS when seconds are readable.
**6:35**
